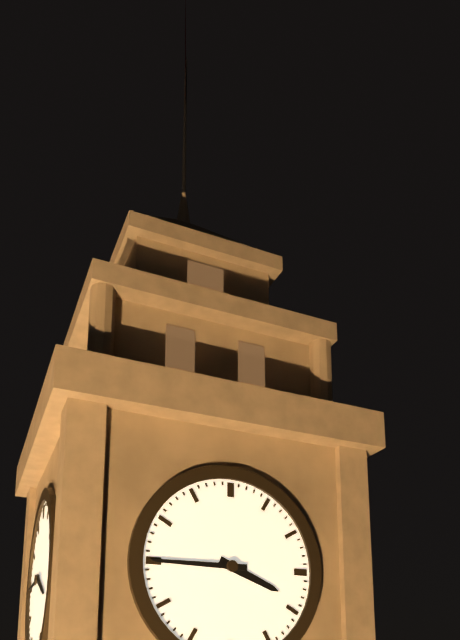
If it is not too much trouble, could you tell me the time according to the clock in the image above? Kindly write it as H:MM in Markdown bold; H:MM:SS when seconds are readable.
**3:45**
